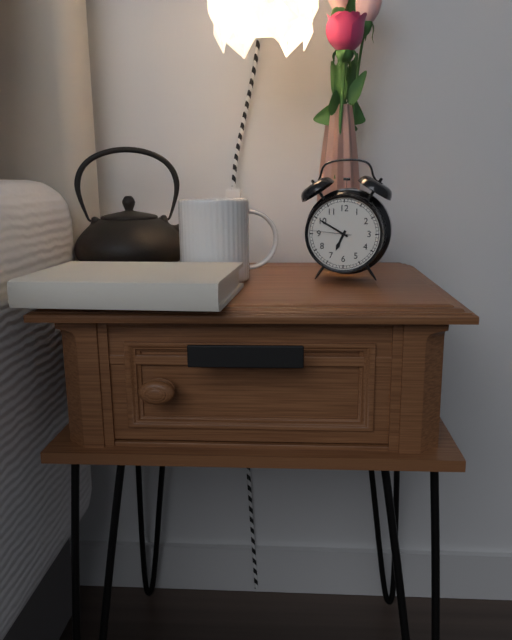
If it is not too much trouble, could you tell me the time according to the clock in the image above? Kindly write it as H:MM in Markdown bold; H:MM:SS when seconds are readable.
**6:50**
